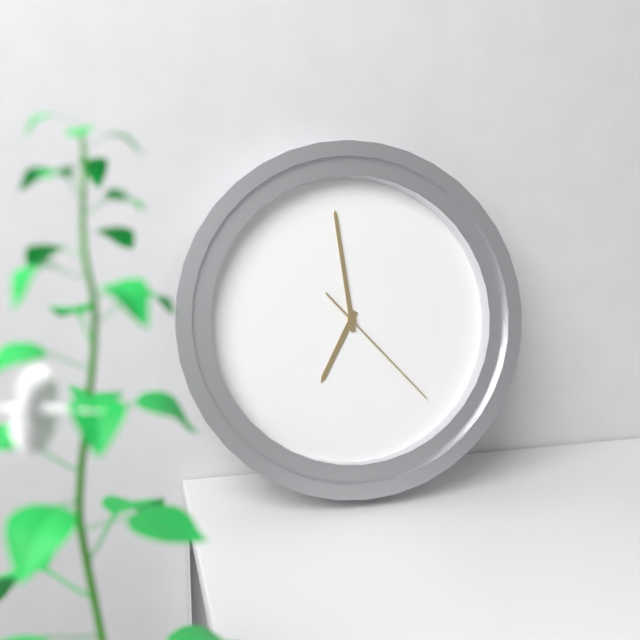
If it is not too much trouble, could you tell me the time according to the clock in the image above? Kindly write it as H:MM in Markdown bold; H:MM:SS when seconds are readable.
**6:59:23**
